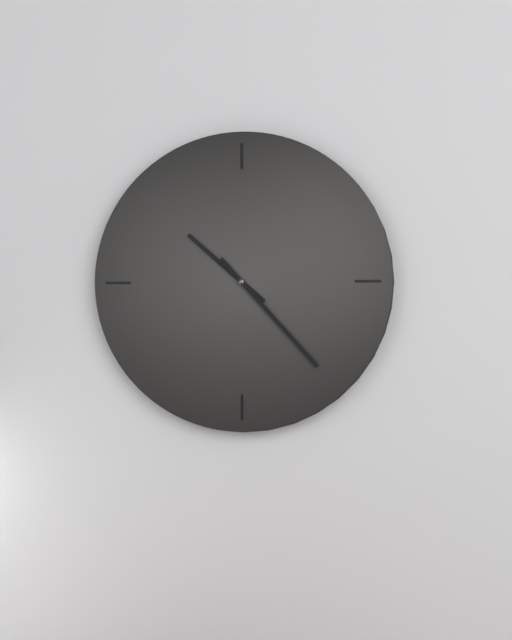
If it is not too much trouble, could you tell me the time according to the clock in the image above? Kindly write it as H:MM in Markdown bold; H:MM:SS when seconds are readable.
**10:23**
